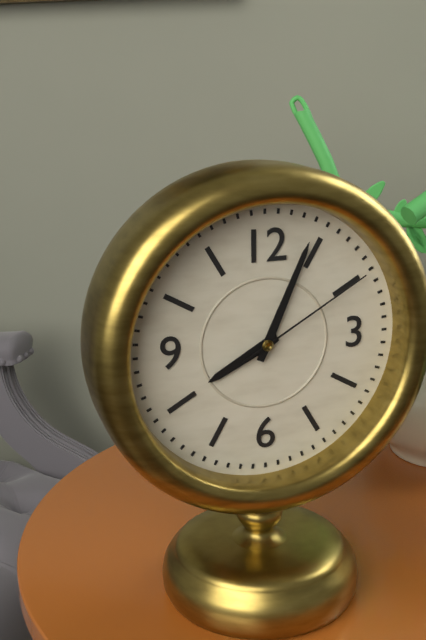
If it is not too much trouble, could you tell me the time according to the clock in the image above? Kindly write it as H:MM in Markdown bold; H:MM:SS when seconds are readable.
**8:04:10**
